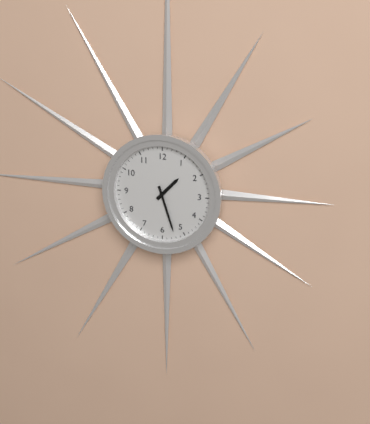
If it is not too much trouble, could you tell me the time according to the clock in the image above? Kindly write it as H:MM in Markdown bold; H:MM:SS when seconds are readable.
**1:27**
